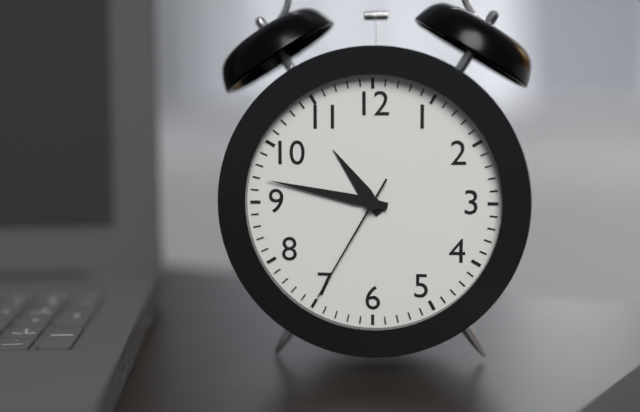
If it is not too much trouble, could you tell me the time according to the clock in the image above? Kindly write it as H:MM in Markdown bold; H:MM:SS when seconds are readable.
**10:47:35**
